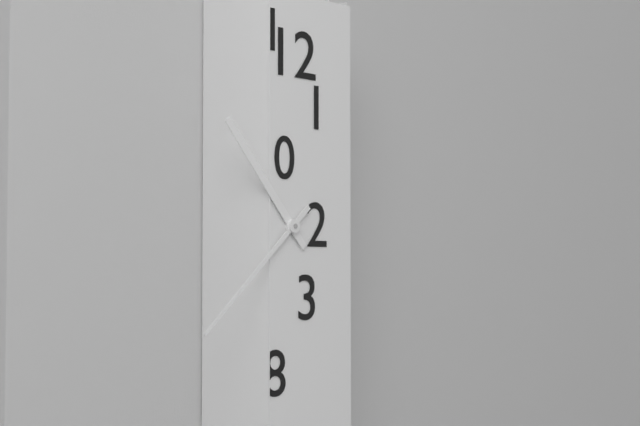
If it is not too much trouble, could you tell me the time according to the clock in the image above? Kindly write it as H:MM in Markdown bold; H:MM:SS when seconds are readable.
**10:38**
